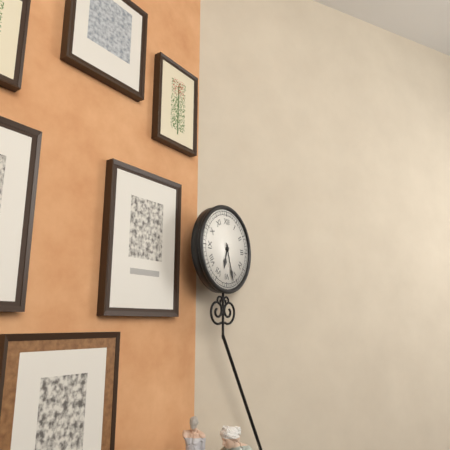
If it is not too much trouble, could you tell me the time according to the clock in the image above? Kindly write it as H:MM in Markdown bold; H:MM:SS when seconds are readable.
**6:27**
